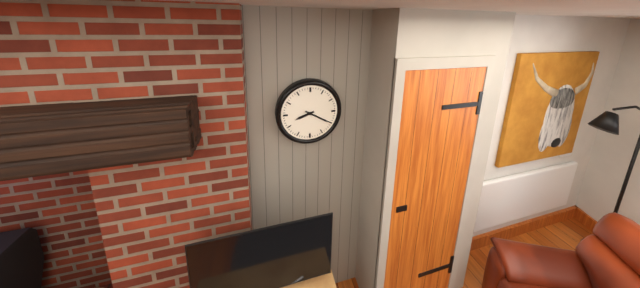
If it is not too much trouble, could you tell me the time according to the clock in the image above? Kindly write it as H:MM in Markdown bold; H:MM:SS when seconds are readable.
**8:20**
